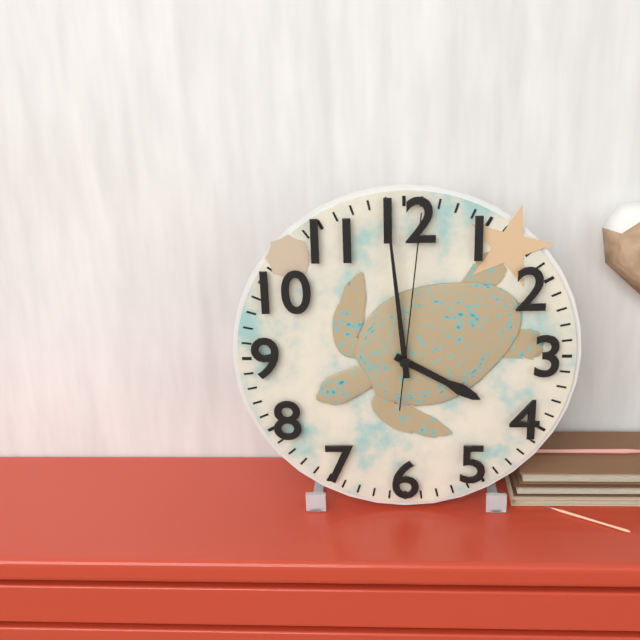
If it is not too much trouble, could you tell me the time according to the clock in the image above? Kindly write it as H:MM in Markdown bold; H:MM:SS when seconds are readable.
**3:59:01**
